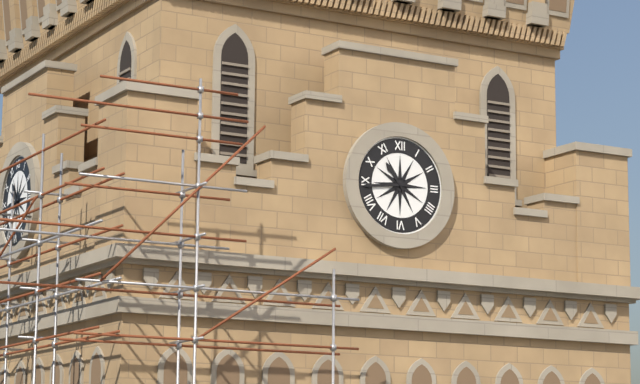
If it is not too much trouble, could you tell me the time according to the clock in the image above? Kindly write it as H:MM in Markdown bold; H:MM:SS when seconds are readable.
**10:44**
